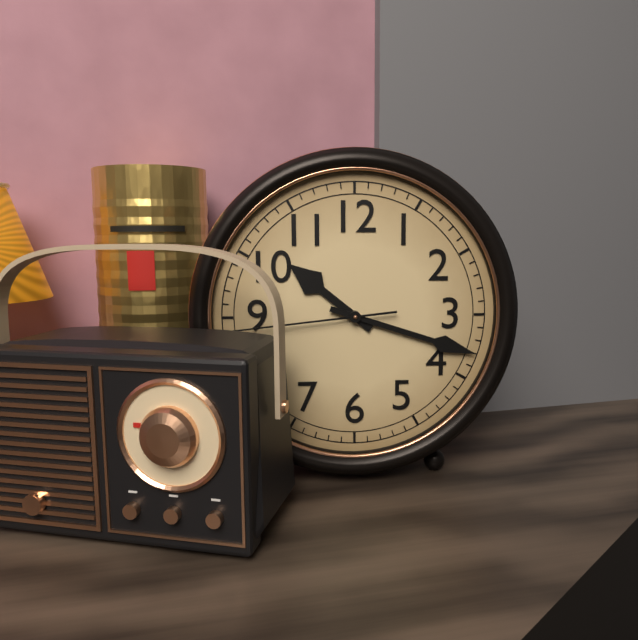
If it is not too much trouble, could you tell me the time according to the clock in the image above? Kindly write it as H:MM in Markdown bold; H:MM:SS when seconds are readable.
**10:18:44**
